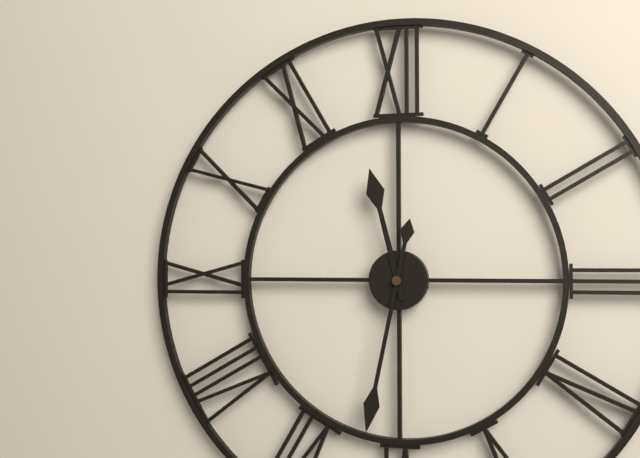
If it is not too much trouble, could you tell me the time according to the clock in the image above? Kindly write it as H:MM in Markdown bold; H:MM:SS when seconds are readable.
**11:32**
